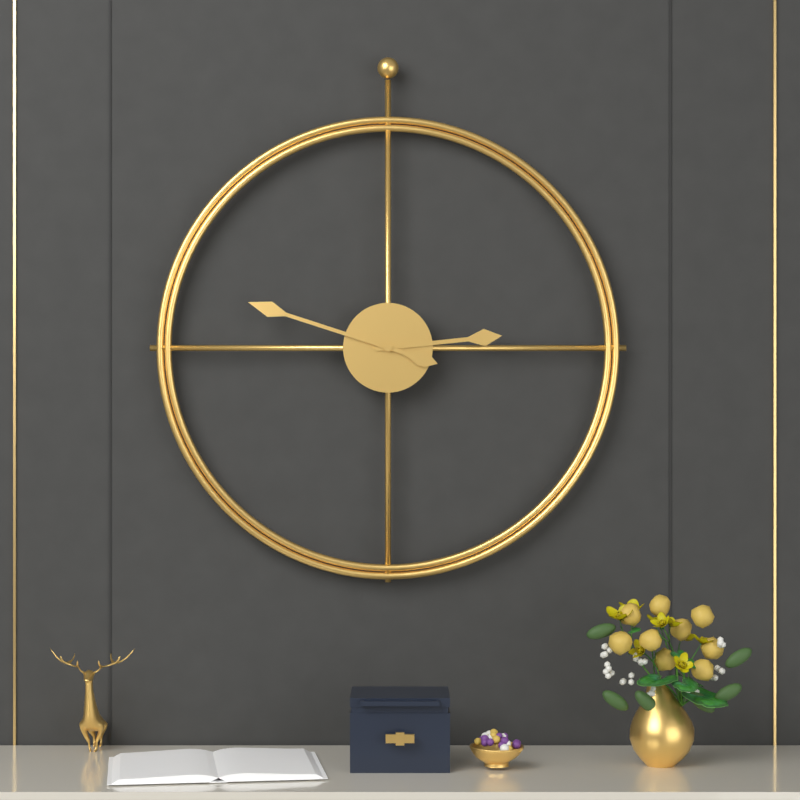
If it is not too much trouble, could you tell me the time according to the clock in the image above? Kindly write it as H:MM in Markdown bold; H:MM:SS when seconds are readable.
**2:48**
